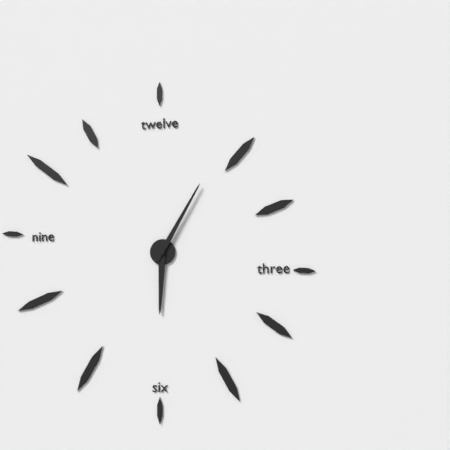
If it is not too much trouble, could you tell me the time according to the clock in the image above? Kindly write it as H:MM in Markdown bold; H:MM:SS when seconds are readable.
**6:05**
